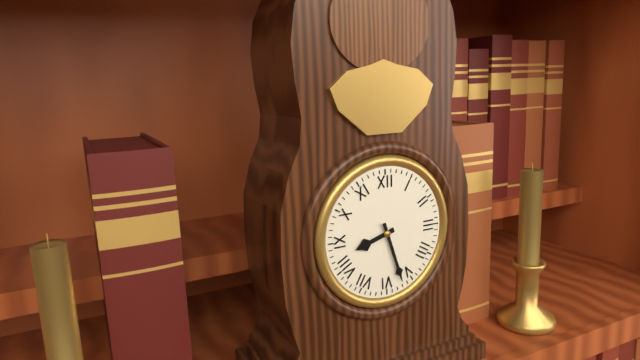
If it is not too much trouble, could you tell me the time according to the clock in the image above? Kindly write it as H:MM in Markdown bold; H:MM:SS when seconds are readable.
**8:27**
